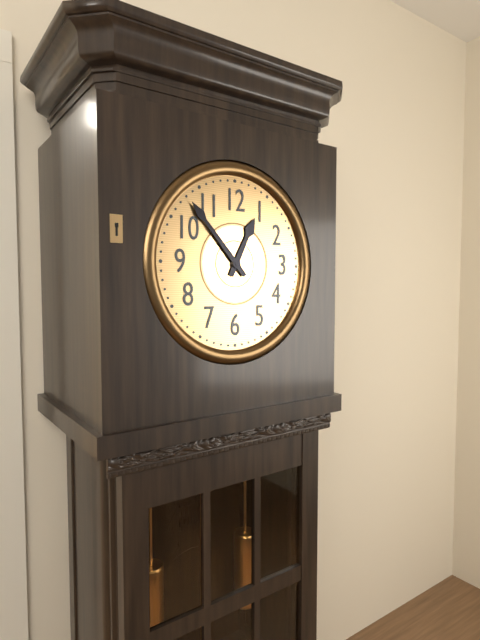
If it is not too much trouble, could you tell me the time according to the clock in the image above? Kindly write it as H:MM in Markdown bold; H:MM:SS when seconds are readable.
**12:53**
